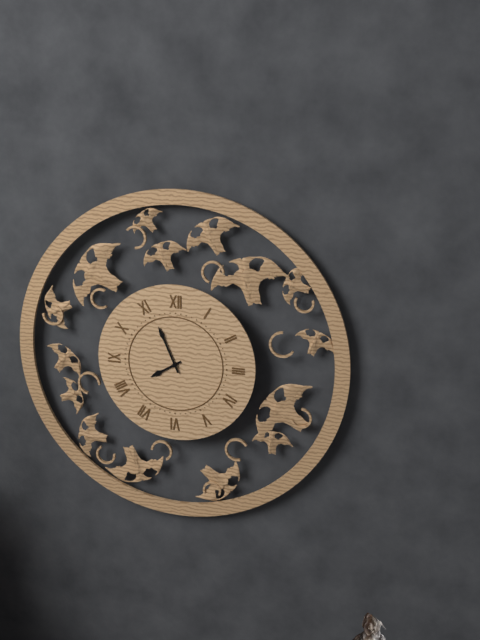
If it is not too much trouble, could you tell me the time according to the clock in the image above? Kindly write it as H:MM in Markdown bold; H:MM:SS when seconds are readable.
**7:56**
